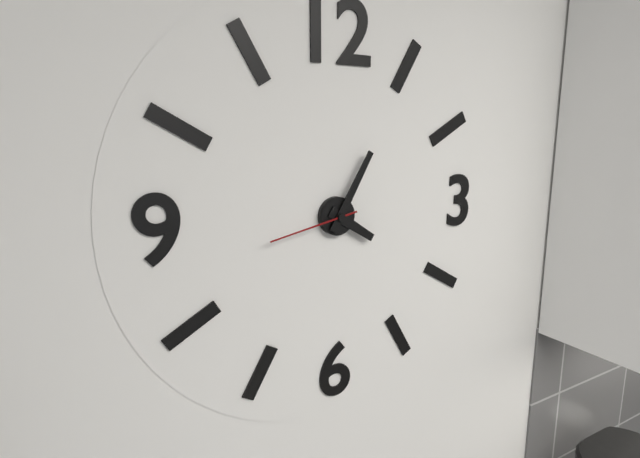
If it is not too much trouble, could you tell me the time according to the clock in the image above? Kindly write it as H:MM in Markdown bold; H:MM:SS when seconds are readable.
**4:05:43**
